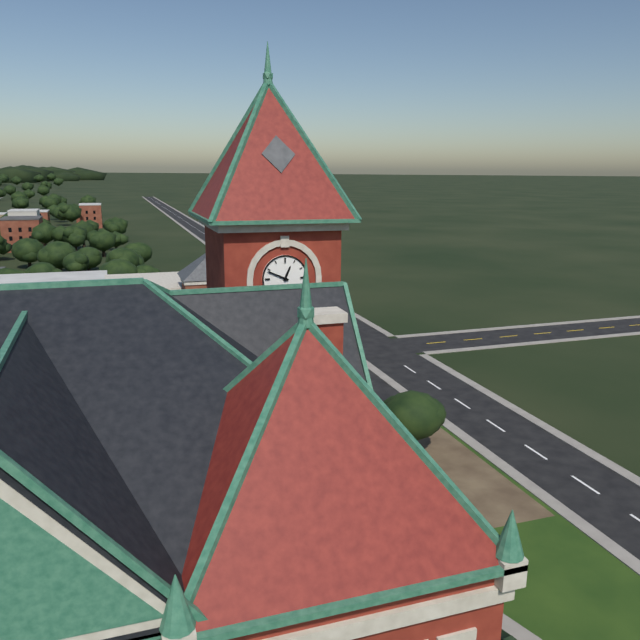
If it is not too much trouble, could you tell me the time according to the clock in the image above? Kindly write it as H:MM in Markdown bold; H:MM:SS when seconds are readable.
**12:49**
